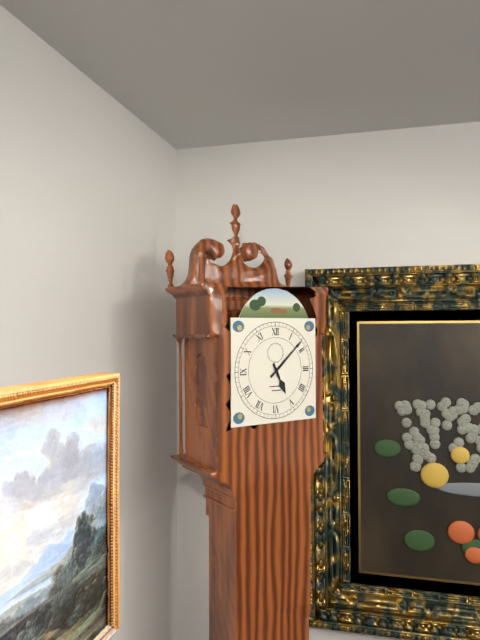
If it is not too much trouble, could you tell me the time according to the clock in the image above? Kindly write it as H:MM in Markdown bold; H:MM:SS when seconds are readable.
**5:08**
